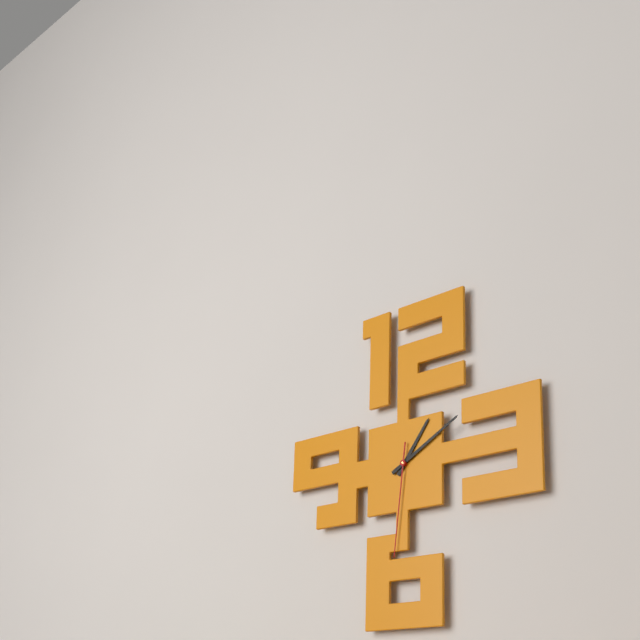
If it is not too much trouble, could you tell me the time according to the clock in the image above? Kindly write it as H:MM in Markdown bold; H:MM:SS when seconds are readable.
**1:10:31**
